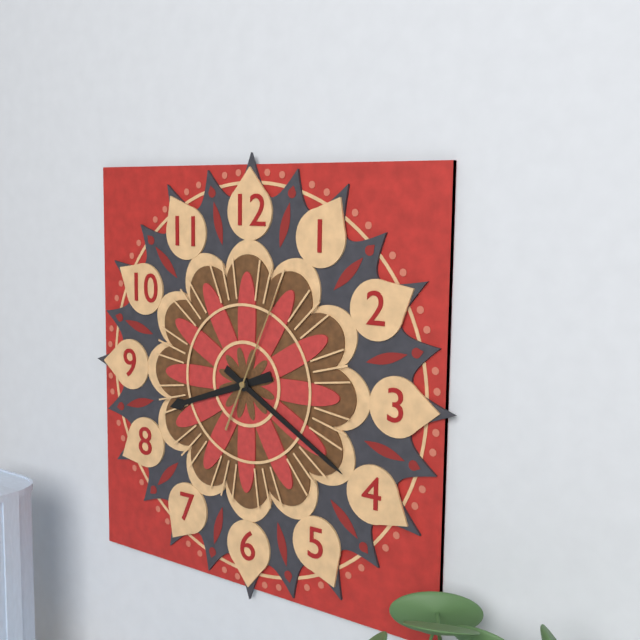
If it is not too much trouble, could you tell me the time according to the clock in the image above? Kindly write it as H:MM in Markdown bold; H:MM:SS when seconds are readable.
**8:20:04**
